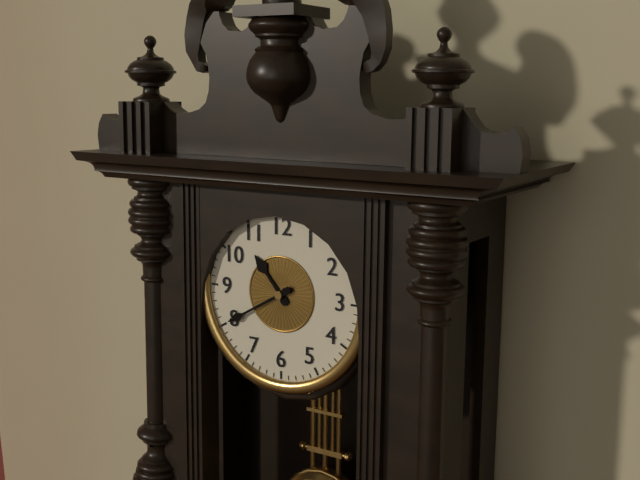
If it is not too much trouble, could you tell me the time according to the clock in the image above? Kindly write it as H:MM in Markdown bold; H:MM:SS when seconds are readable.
**10:40**
